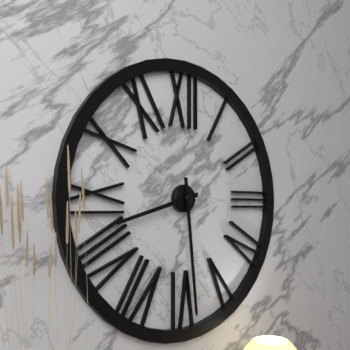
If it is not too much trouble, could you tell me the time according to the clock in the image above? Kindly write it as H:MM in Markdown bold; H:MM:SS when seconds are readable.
**8:29**
